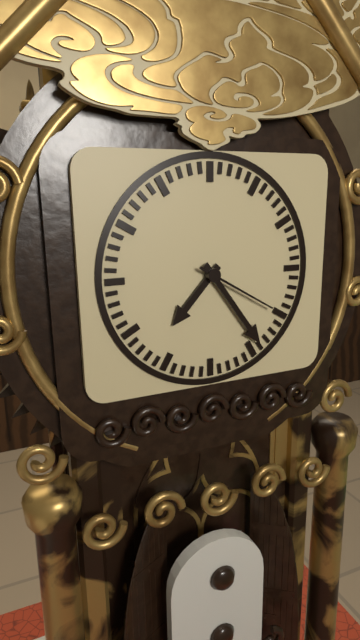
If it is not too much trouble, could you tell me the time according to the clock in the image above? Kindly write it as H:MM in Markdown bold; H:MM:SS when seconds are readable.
**7:24:20**
